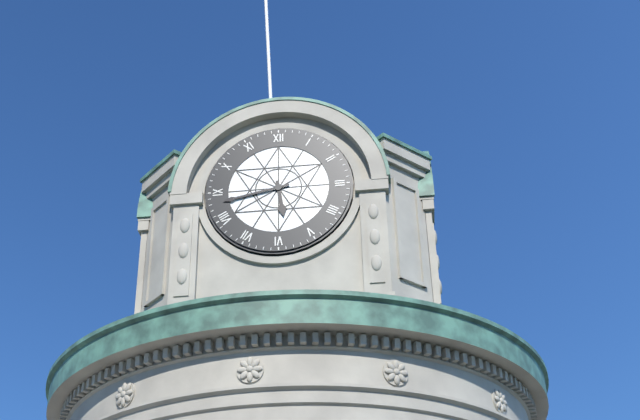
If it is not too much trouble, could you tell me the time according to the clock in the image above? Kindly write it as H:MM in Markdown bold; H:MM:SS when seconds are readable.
**5:43**
